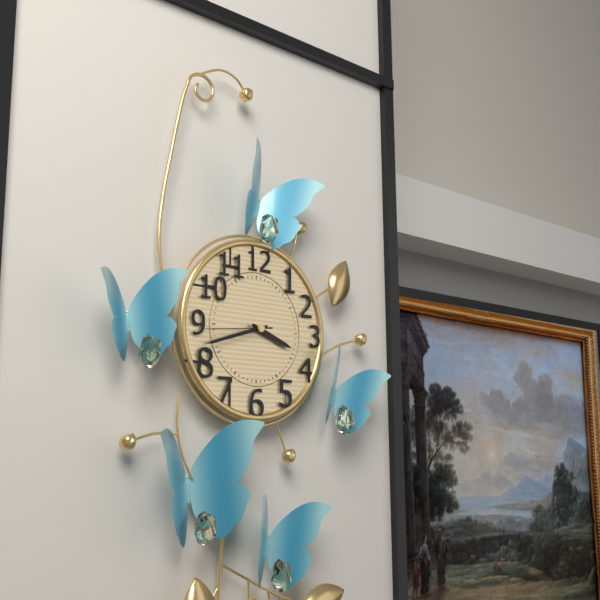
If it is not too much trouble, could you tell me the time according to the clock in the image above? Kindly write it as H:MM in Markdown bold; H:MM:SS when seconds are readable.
**3:42:44**
